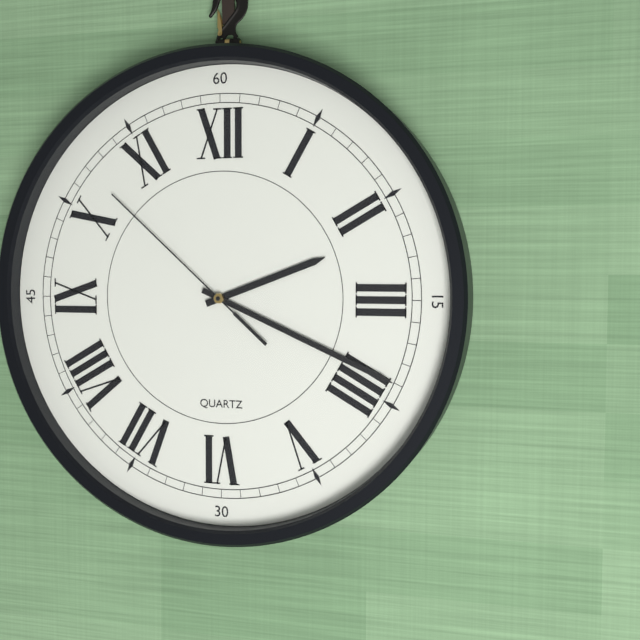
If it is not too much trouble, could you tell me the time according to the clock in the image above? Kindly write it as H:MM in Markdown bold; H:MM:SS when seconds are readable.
**2:19:52**
